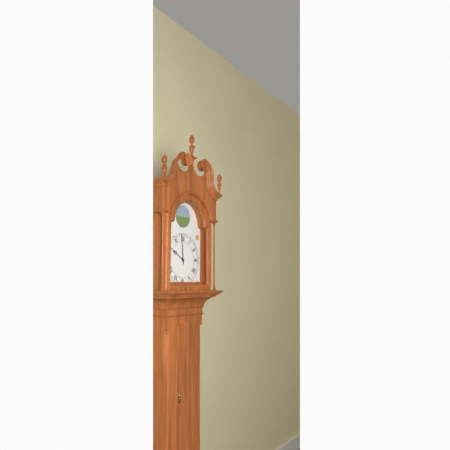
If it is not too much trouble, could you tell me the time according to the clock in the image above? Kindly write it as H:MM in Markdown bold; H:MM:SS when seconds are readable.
**9:59**
